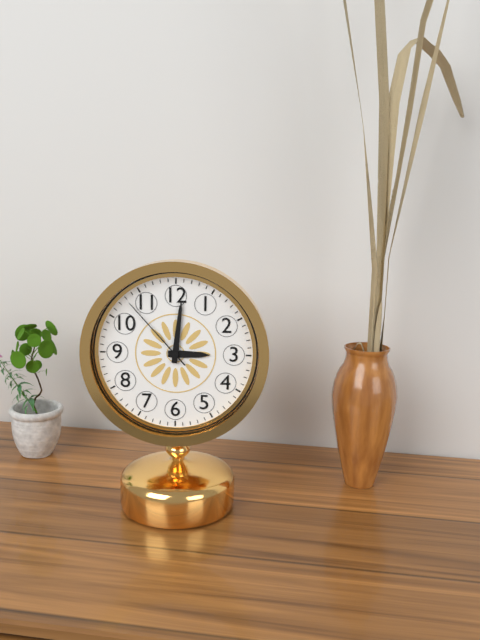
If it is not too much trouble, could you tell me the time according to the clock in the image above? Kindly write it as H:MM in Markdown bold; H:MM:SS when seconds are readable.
**3:01:53**
